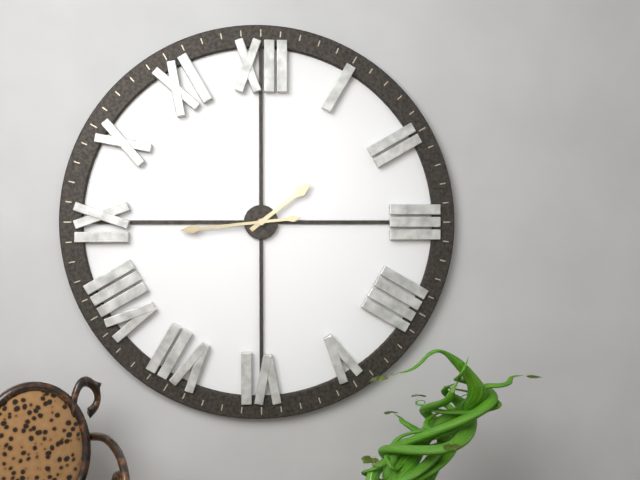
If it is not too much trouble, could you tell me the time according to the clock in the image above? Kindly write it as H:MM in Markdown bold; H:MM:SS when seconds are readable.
**1:44**
